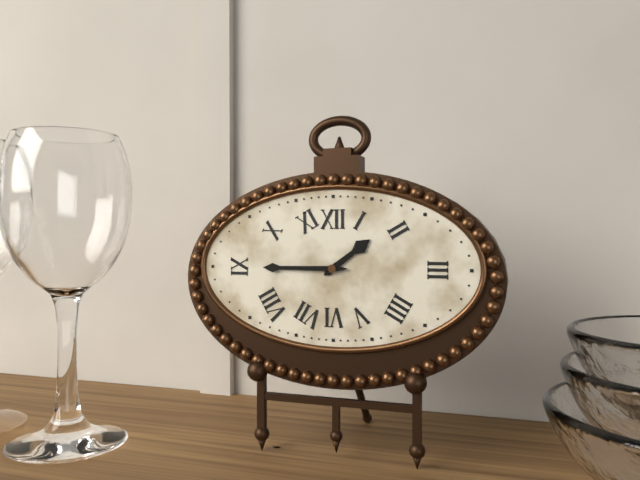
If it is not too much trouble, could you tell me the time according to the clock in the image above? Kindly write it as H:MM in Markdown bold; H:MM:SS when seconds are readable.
**1:45**
